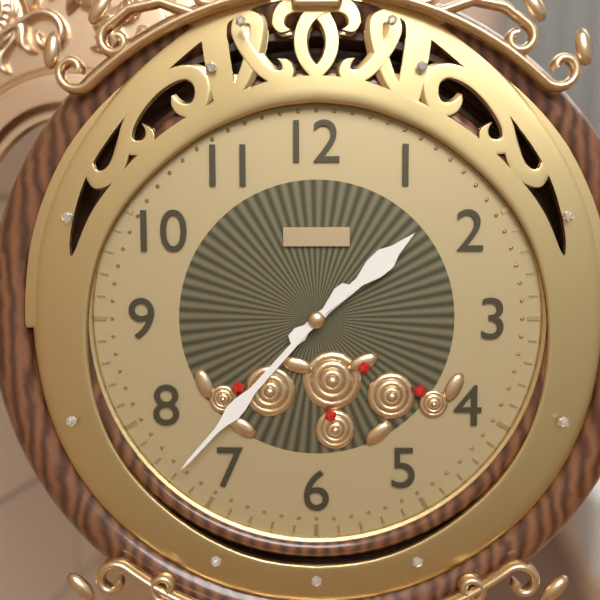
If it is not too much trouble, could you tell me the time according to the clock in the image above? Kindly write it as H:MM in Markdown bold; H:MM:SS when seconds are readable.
**1:37**
